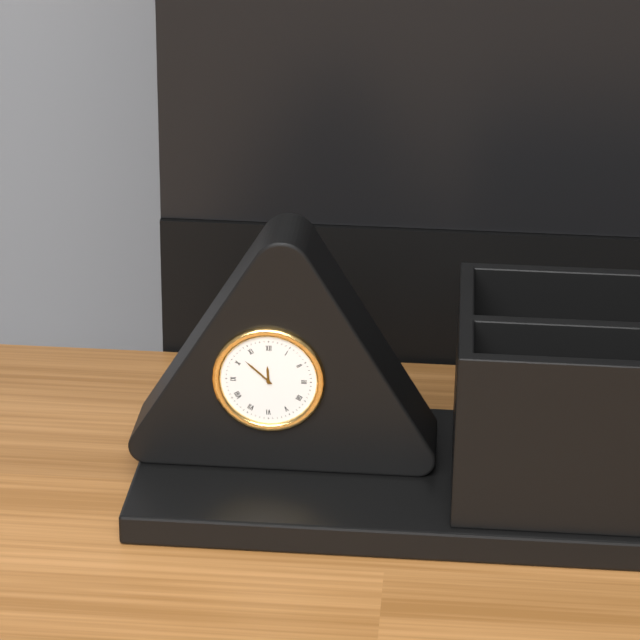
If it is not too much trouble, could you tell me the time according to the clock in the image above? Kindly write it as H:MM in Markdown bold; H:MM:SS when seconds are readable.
**11:52**
